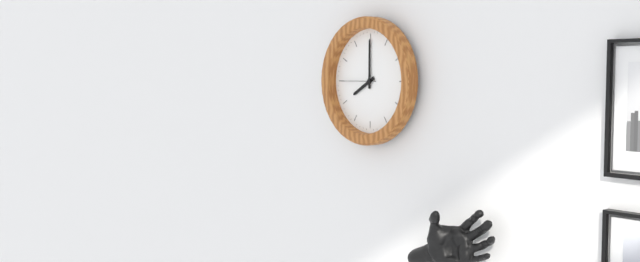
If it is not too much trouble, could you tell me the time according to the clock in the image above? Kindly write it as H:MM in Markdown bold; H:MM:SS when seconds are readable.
**8:00**
